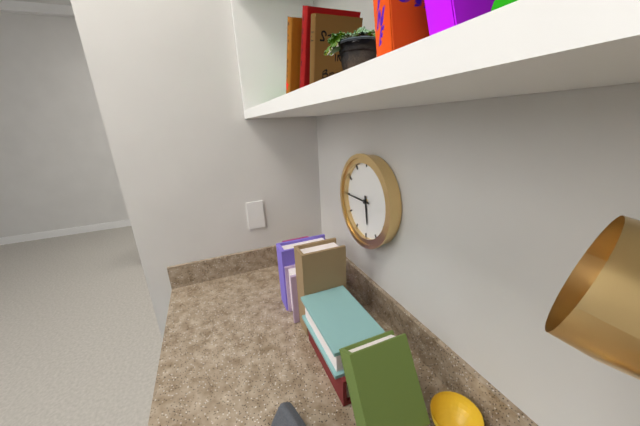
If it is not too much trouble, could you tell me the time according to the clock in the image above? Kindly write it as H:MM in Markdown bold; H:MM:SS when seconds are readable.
**5:45**
